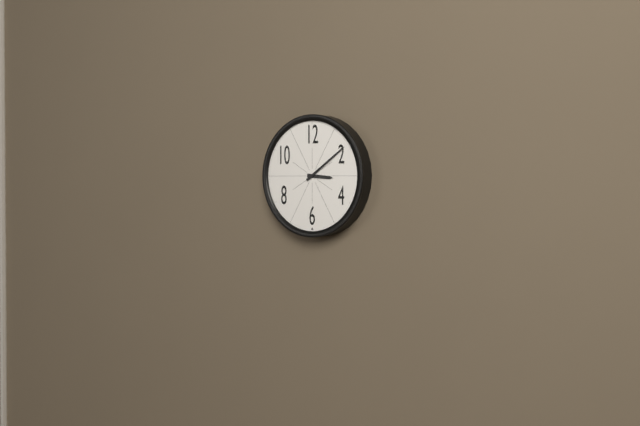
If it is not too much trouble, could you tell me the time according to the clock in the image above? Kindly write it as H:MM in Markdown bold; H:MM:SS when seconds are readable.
**3:09**
